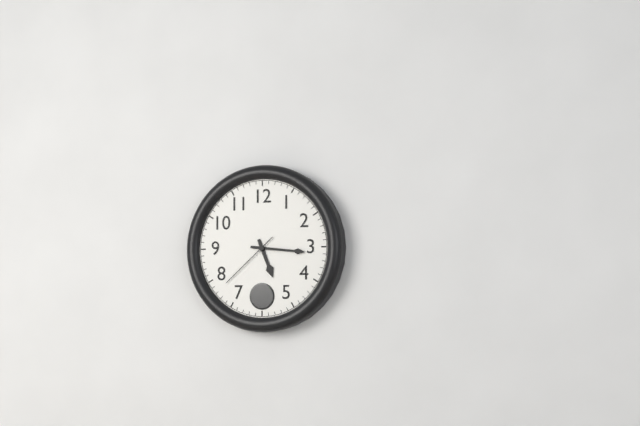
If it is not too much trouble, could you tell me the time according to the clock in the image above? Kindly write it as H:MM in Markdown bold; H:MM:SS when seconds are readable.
**5:16:38**
